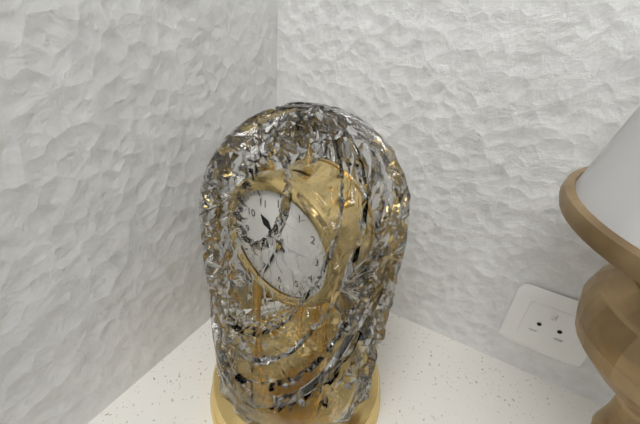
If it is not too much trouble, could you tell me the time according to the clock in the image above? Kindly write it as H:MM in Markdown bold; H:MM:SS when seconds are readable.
**10:34**
